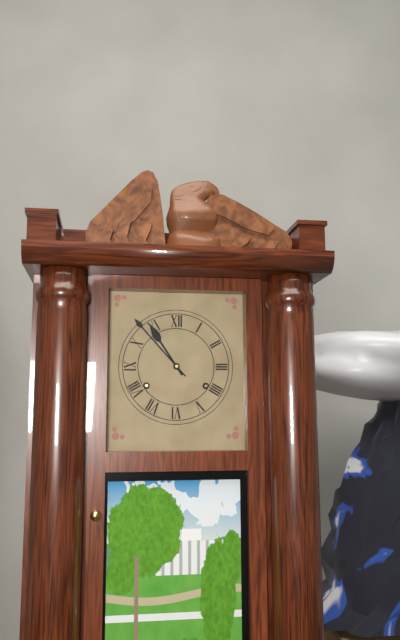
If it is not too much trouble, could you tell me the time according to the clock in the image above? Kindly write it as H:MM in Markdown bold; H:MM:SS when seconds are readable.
**10:53**
